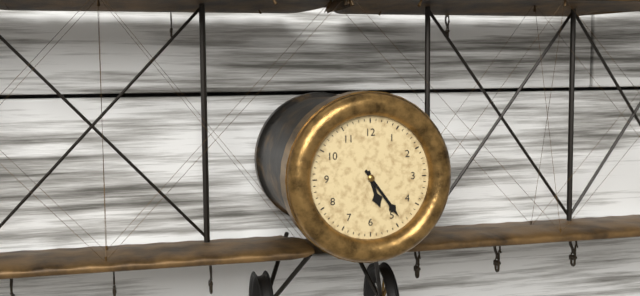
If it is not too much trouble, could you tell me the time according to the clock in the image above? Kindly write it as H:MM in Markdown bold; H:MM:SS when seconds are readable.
**5:24**
